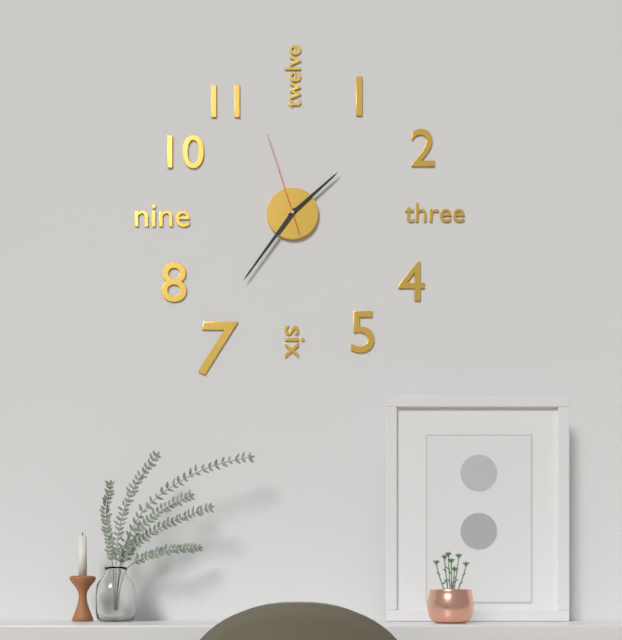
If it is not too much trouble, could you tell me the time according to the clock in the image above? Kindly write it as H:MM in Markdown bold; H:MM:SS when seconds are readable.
**1:36:57**
